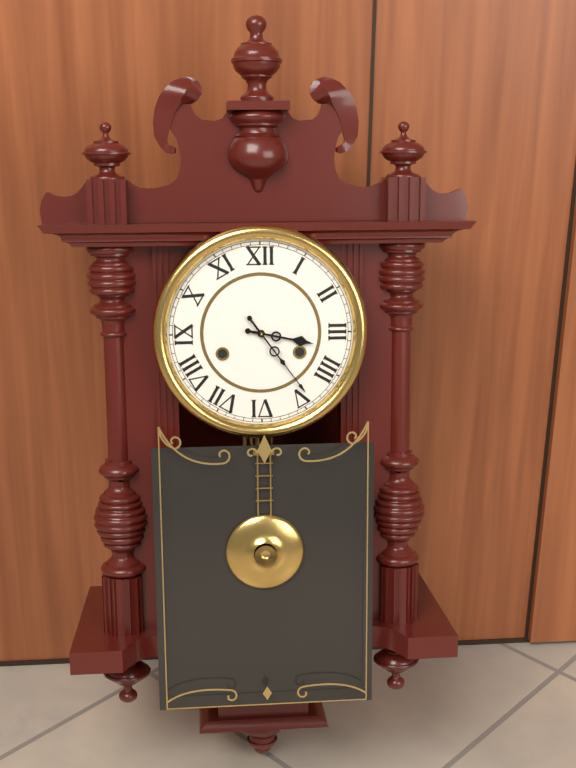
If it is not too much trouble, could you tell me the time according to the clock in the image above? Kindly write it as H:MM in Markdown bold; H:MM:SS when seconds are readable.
**3:24**
